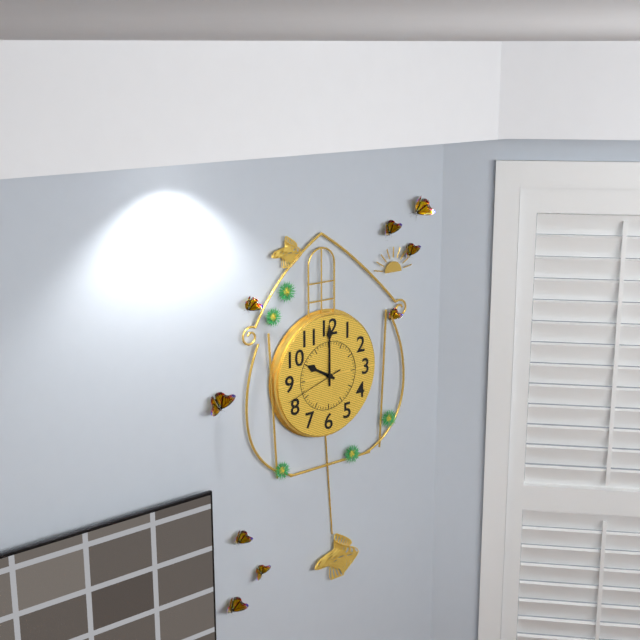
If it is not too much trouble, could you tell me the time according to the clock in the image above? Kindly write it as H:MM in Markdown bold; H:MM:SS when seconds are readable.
**10:00:42**
